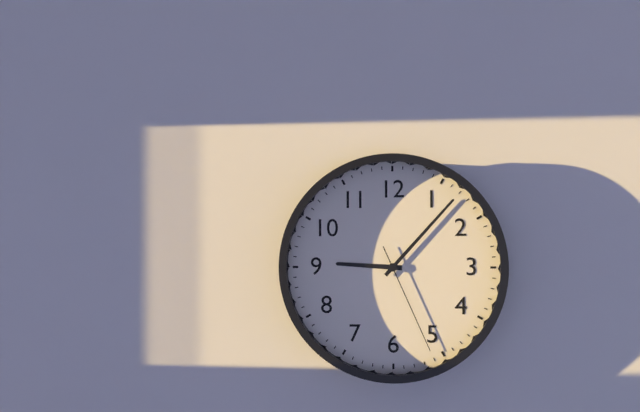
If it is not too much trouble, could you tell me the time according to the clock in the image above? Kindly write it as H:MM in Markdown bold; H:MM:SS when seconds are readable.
**9:07:26**
